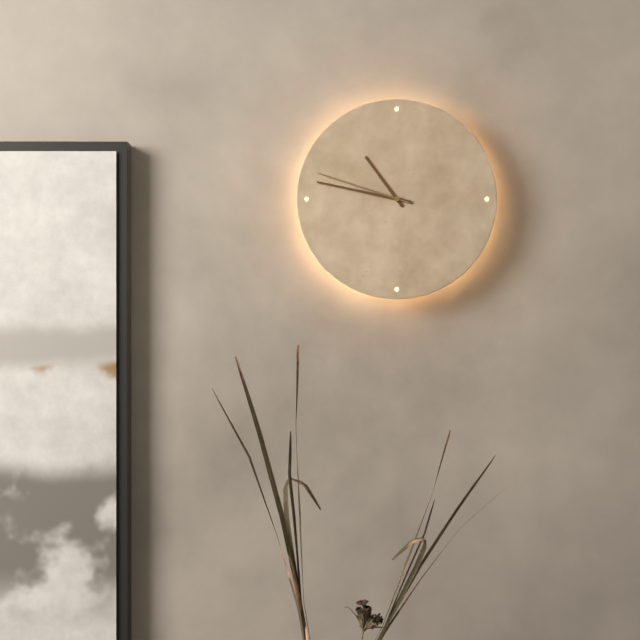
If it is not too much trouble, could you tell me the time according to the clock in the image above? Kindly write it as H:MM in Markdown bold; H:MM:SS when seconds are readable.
**10:47:48**
